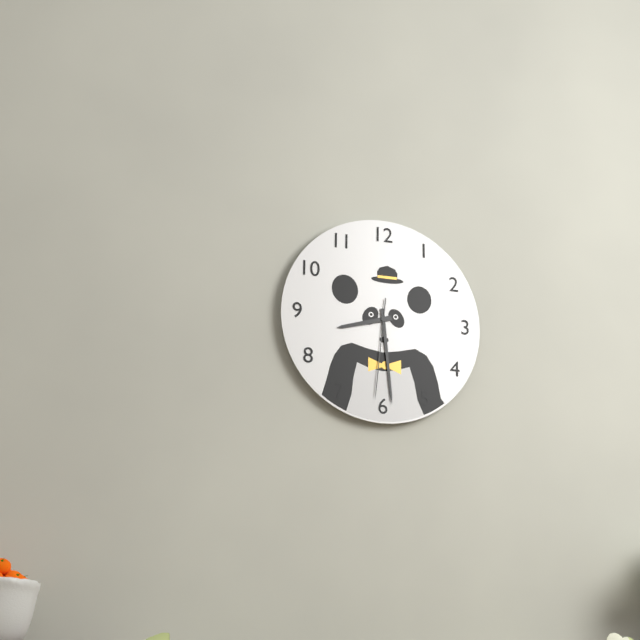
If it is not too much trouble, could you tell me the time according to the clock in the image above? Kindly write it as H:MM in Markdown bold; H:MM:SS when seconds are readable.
**8:29:31**
